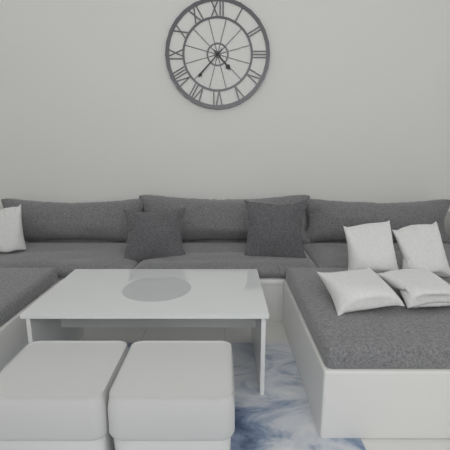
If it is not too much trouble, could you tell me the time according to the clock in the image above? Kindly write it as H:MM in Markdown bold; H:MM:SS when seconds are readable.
**4:37**
